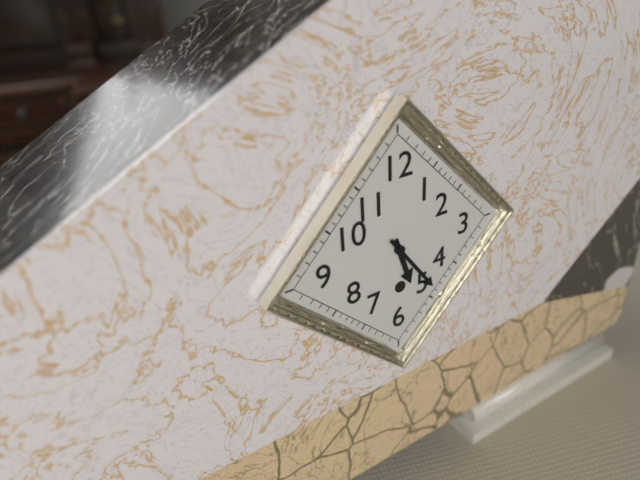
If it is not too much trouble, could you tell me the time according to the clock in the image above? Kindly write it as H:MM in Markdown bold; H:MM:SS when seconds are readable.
**5:24**
